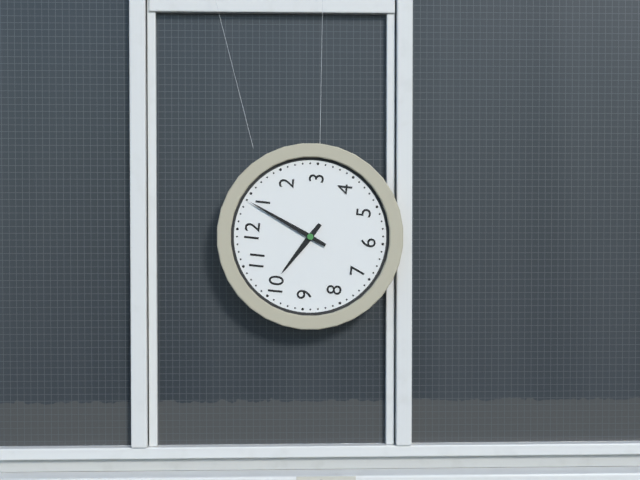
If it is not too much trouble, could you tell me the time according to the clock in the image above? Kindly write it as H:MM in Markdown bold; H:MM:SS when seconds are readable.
**10:04**
